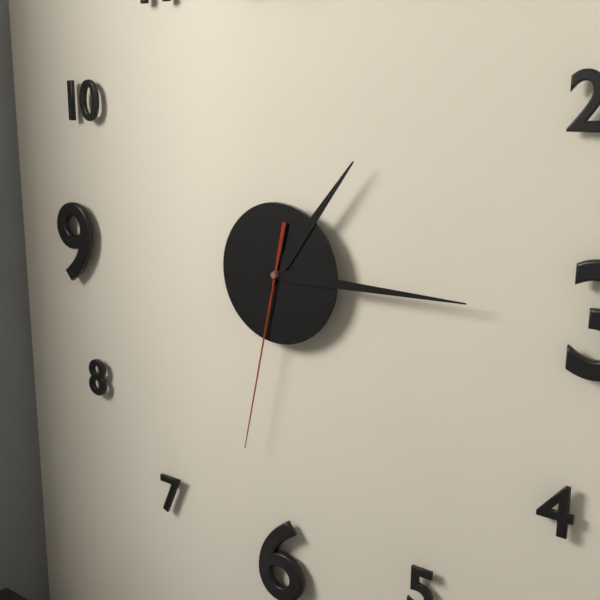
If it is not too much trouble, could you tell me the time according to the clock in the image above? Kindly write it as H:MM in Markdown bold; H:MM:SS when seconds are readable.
**1:15:32**
